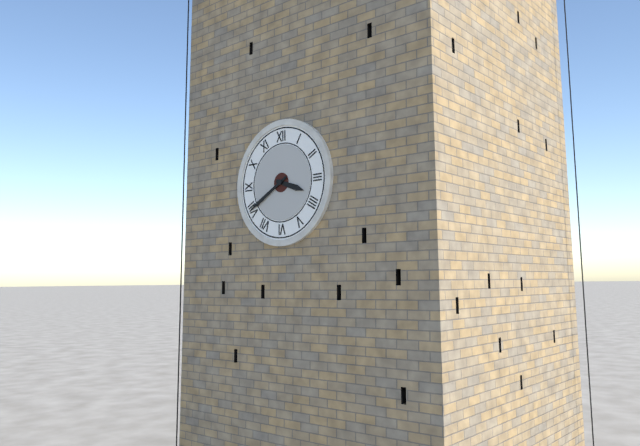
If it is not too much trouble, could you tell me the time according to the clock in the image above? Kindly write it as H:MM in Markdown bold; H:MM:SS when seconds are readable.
**3:40**
